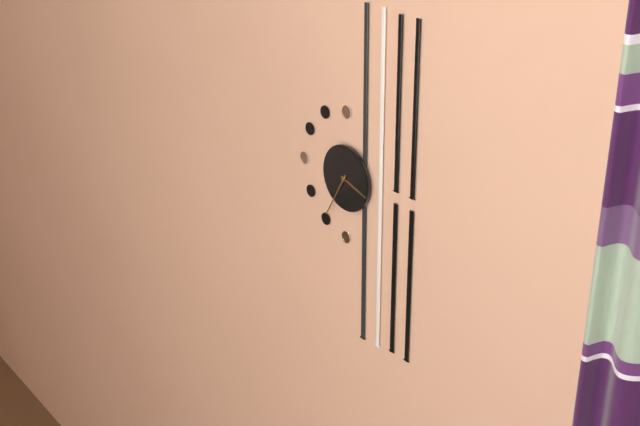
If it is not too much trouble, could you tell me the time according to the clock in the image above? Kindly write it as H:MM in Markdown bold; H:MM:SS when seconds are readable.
**3:35**
